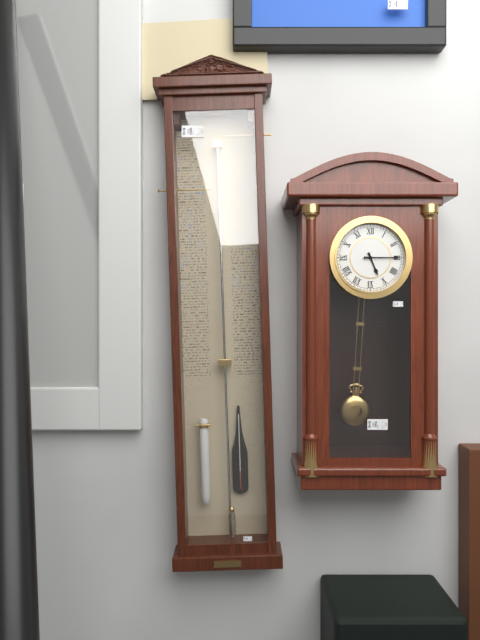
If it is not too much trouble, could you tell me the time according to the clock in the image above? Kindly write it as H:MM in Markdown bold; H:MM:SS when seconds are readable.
**5:15**
